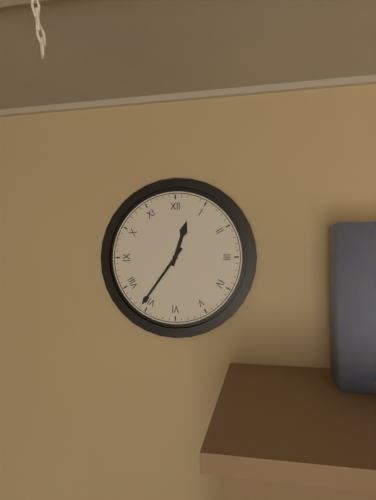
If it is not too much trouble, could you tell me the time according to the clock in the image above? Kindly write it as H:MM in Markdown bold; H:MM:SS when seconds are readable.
**12:36**
